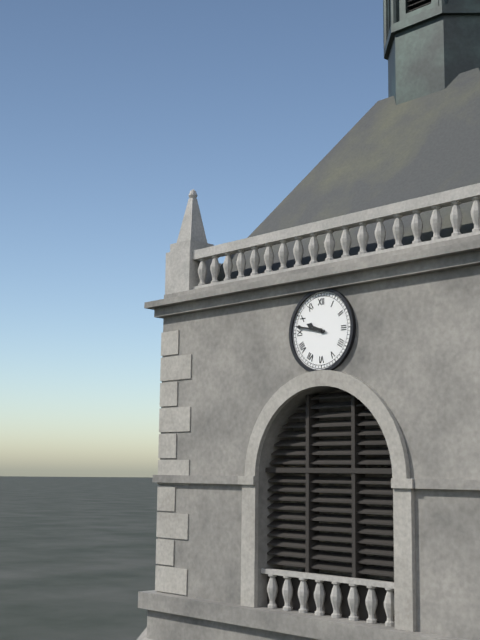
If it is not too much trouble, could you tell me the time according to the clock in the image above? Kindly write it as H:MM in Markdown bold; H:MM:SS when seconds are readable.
**9:47**
